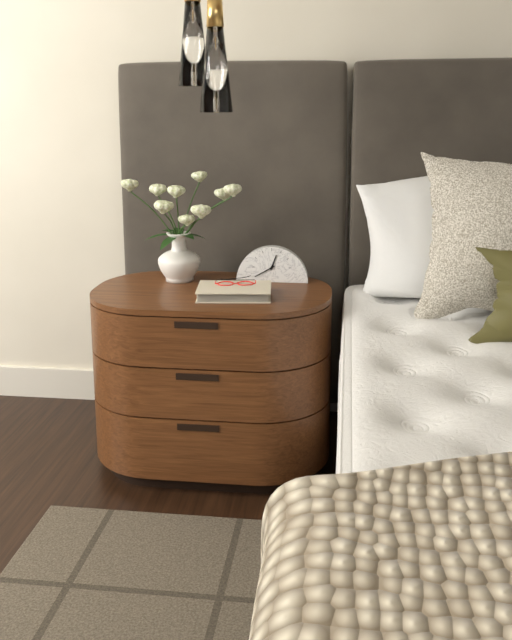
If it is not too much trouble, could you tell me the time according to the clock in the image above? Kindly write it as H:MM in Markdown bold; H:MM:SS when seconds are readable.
**12:40**
